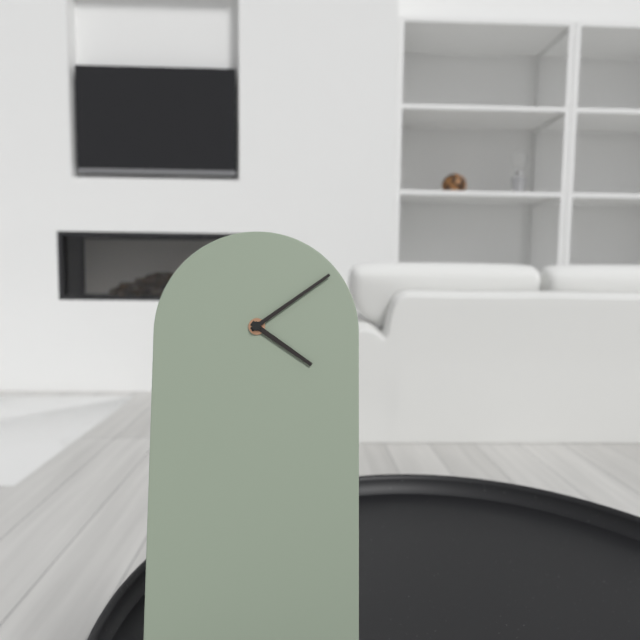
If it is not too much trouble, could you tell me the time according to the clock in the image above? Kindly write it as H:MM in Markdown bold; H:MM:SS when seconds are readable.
**4:09**
